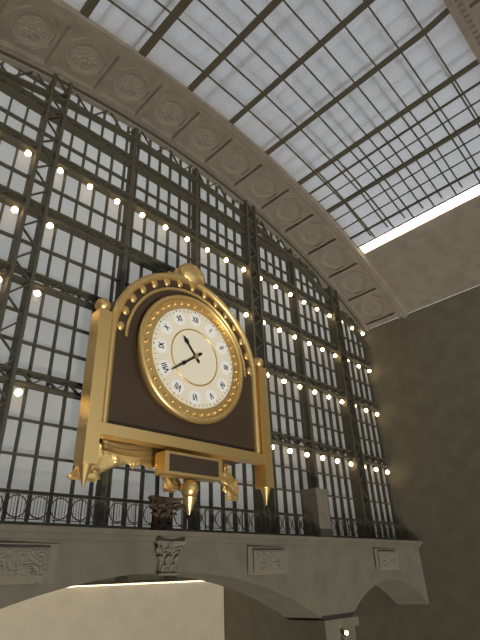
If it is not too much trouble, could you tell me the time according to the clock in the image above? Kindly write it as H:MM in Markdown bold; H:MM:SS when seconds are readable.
**10:39**
